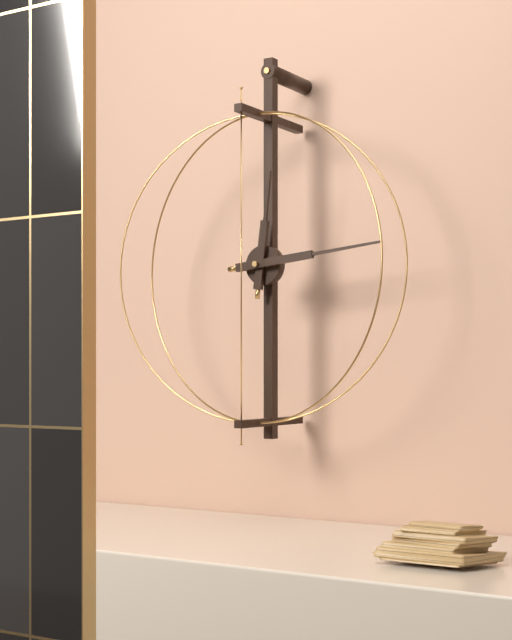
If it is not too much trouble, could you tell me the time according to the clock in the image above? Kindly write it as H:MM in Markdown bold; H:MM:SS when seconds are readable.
**12:14**
